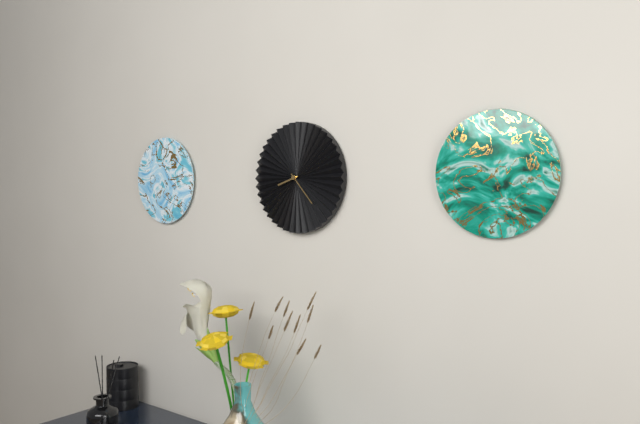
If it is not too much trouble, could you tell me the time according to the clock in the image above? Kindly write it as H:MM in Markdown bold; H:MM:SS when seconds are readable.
**8:23**
